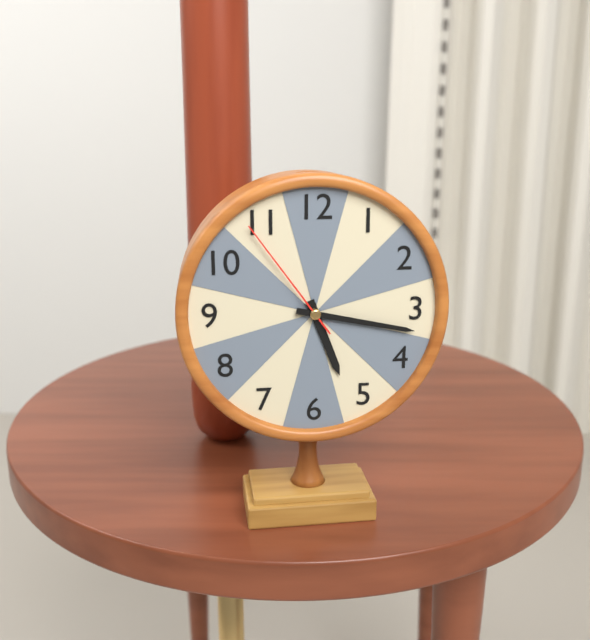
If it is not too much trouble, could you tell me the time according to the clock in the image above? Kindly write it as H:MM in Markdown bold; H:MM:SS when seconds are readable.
**5:17:54**
